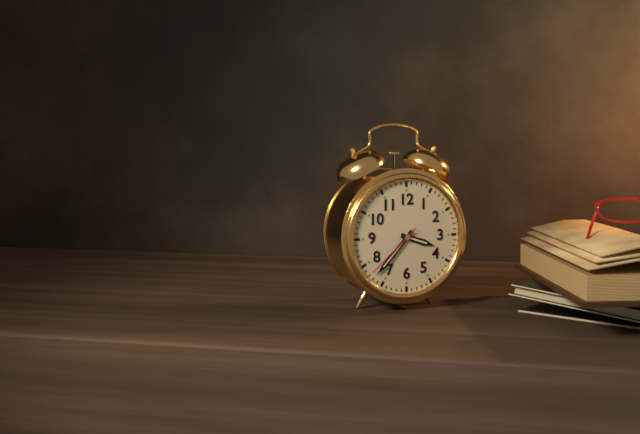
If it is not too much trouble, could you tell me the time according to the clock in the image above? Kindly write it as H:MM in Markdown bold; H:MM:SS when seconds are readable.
**3:37:38**
